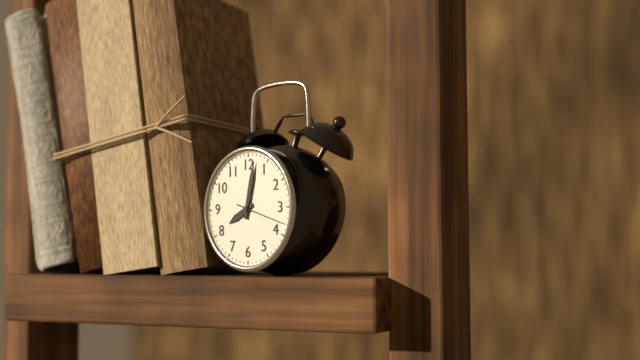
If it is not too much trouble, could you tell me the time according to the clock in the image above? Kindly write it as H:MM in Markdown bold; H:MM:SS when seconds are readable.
**8:02**
